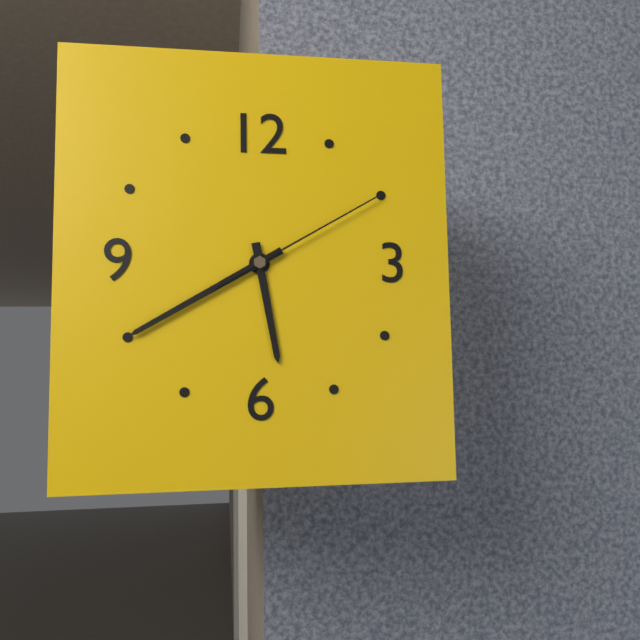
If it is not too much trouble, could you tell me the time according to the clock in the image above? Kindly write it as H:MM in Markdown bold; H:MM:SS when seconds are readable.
**5:40:10**
